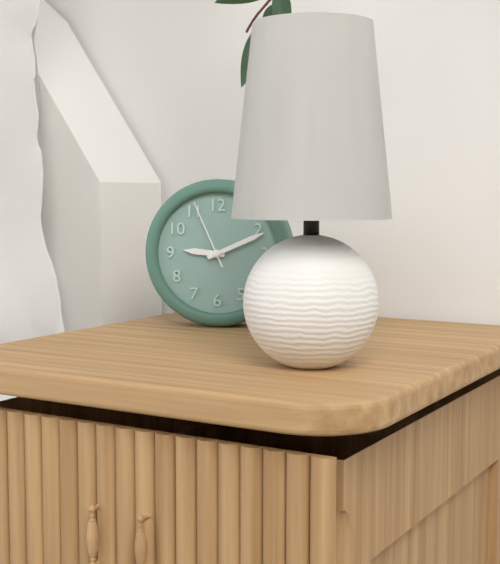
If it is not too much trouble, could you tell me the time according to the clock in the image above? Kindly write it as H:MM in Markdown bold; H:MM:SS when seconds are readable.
**9:11:56**
